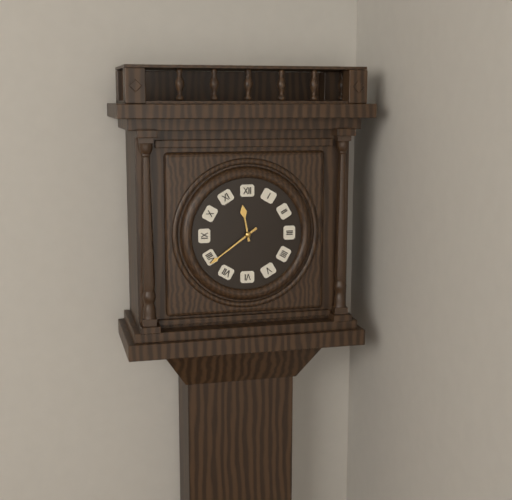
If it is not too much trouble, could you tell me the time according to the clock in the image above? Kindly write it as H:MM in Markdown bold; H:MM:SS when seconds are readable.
**11:39**
